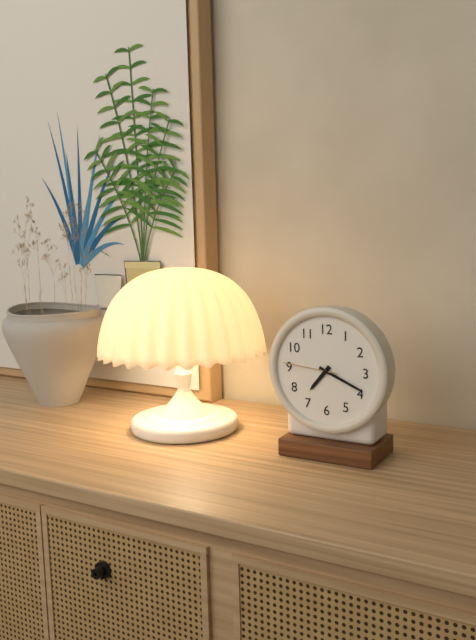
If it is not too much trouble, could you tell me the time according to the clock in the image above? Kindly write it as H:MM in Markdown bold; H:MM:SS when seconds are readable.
**7:19:46**
